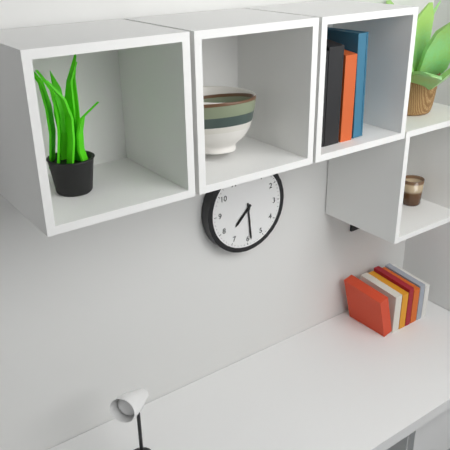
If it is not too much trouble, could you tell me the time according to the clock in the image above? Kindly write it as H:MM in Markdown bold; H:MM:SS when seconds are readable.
**7:29**
